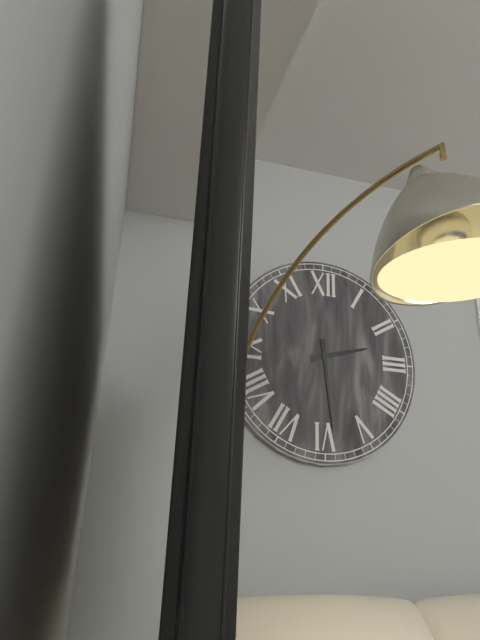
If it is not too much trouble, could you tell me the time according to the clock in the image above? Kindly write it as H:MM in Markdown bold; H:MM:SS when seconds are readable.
**2:29**
